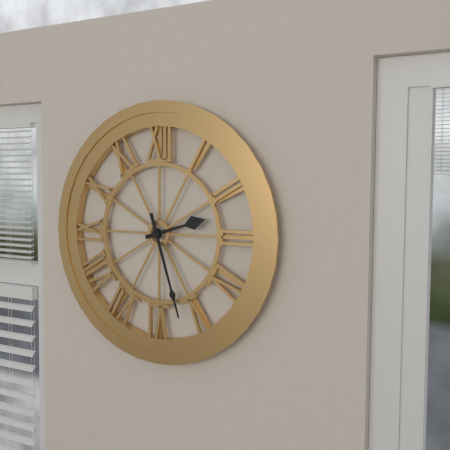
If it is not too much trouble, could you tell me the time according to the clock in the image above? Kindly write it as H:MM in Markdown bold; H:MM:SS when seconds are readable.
**2:27**
